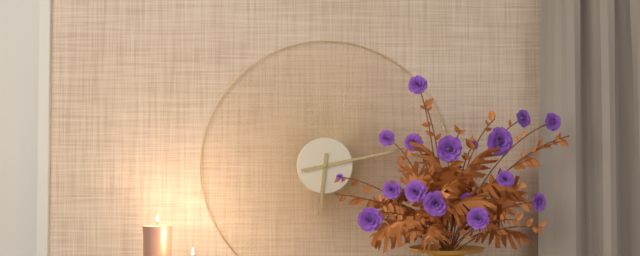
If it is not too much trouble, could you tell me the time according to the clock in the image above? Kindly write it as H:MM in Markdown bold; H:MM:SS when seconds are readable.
**6:13**
